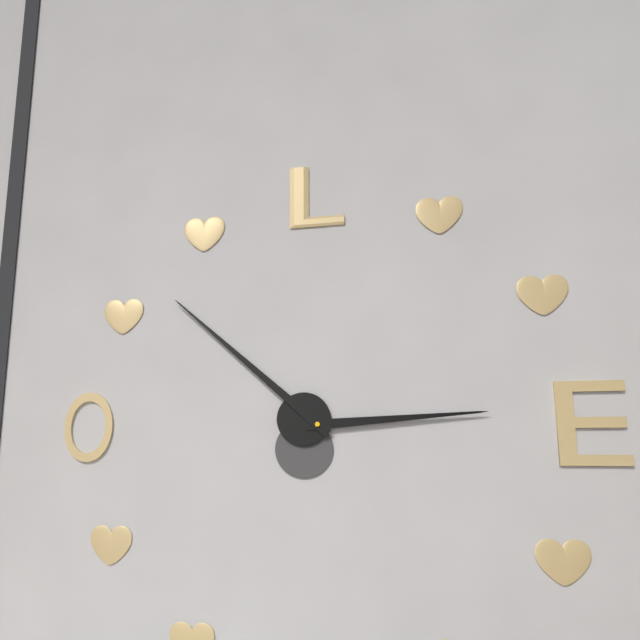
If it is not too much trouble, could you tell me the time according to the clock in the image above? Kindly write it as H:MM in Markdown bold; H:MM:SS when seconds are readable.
**2:52**
